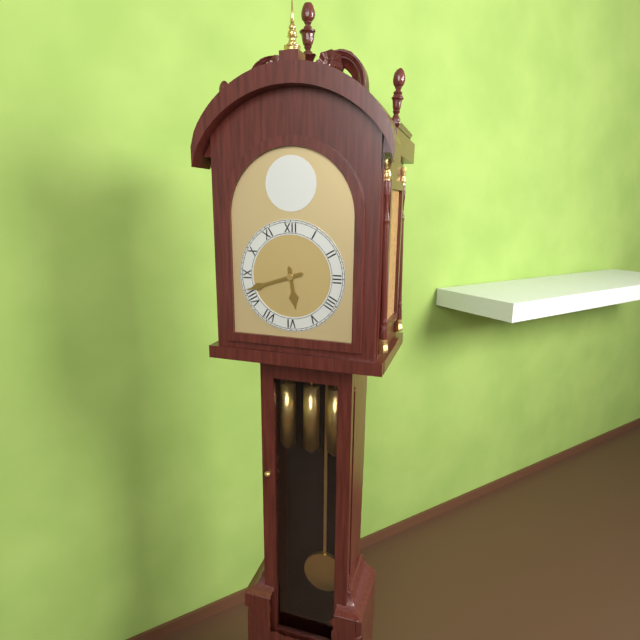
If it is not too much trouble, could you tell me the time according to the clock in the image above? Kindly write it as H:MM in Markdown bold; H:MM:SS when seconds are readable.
**5:42**
